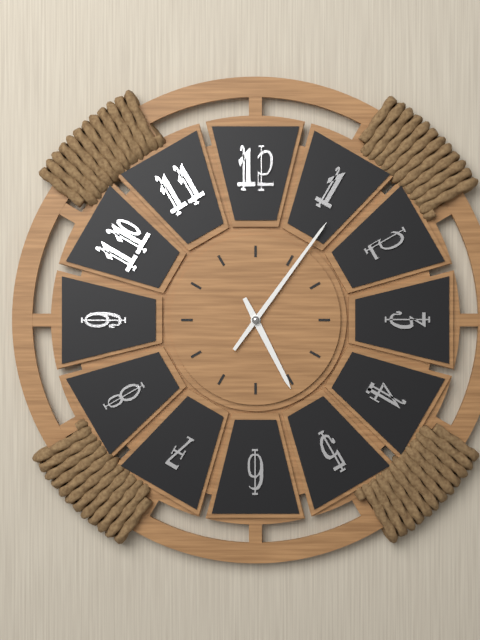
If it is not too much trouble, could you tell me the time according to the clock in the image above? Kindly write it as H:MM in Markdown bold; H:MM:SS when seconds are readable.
**5:06**
